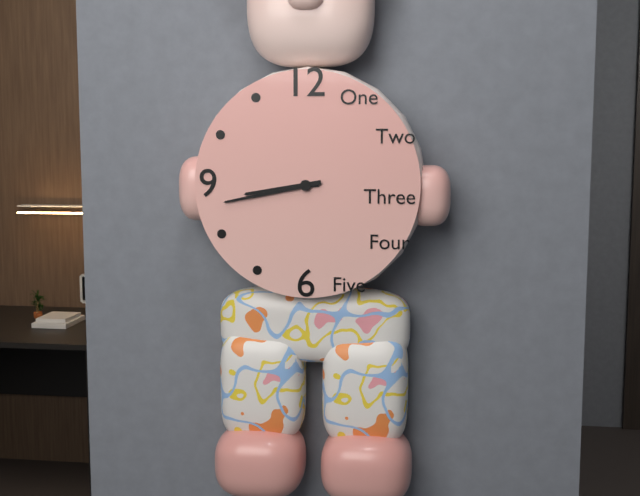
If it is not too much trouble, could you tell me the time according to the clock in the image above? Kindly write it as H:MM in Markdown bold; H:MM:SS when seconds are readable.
**8:43**
